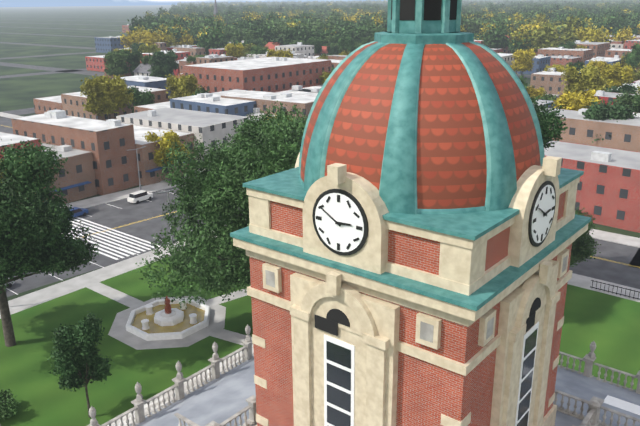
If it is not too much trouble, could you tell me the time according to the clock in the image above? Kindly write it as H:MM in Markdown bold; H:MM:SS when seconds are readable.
**2:50**
